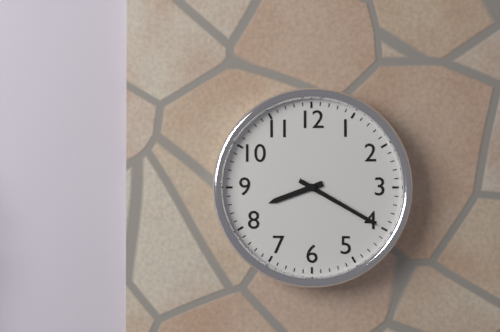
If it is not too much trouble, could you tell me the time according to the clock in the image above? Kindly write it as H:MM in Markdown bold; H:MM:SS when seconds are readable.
**8:20**
